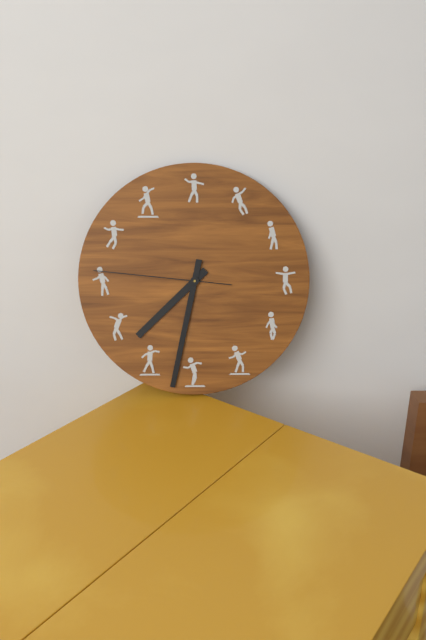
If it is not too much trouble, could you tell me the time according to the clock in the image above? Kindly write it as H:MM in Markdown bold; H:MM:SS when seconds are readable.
**7:32:46**
